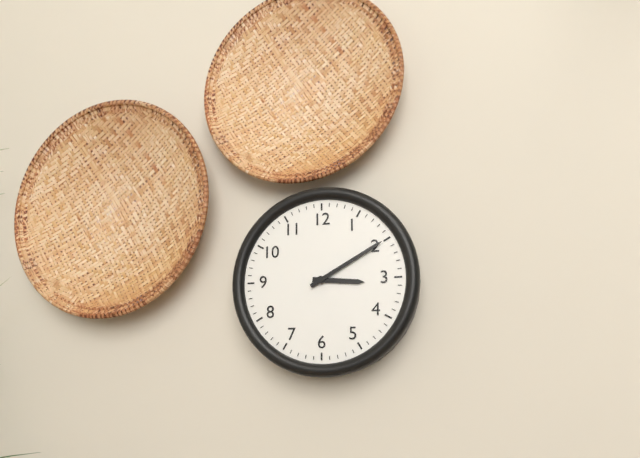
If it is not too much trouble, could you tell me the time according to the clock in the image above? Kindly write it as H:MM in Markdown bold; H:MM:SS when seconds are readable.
**3:10**
